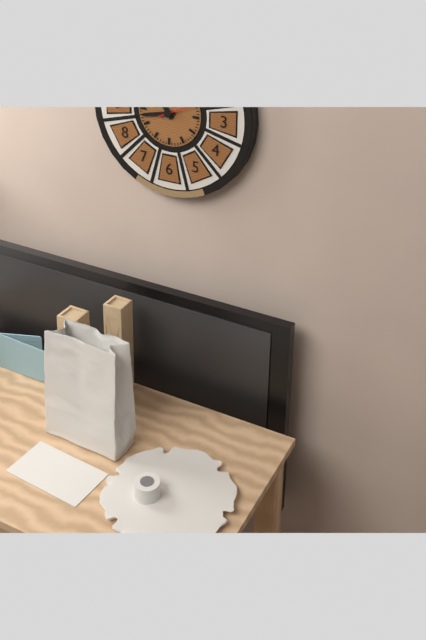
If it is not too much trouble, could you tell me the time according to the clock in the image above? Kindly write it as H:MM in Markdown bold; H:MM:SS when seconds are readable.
**10:43**
